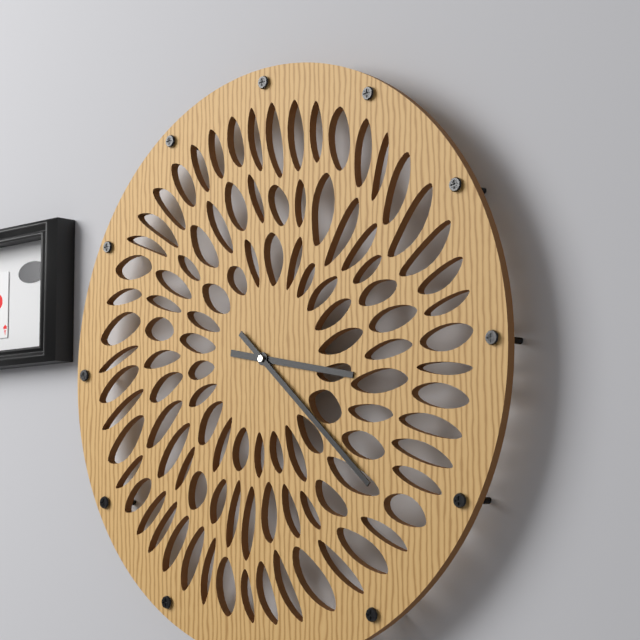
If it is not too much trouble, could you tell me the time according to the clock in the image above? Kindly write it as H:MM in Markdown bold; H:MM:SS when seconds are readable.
**3:22**
